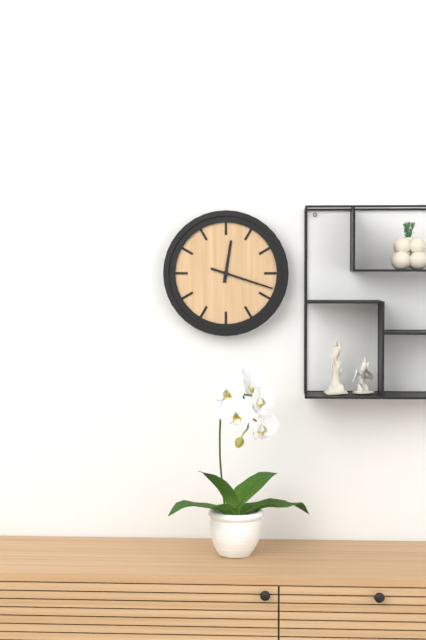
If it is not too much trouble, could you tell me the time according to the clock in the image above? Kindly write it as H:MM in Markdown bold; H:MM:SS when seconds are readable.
**12:18**
